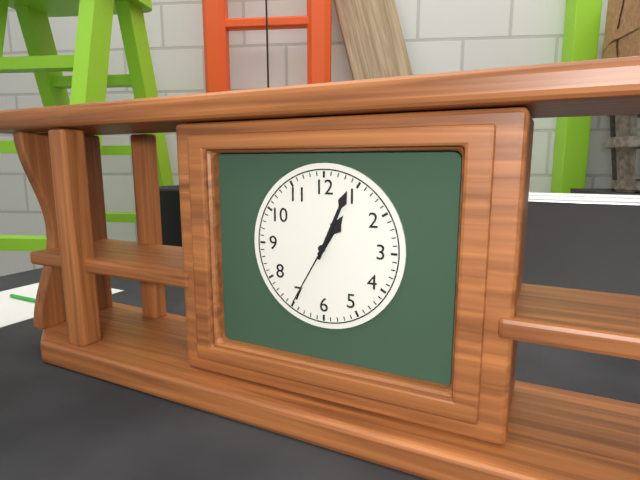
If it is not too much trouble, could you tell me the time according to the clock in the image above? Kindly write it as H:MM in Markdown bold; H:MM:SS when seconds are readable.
**1:04:35**
